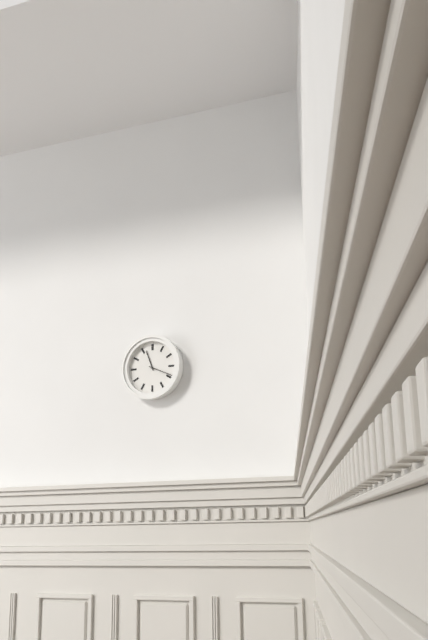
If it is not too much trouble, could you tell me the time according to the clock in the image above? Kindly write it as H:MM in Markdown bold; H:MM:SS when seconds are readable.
**11:19**
